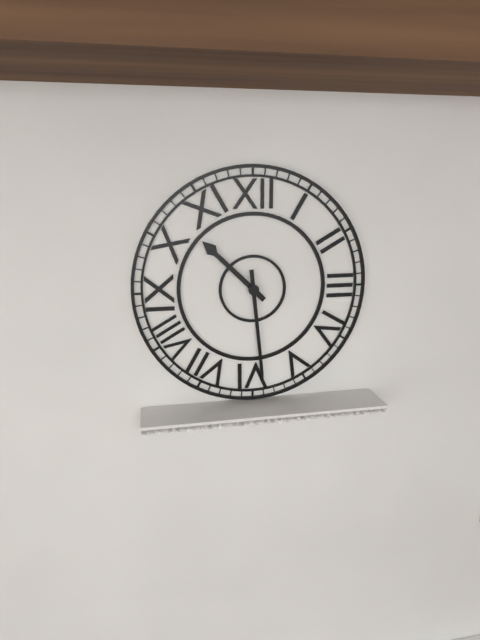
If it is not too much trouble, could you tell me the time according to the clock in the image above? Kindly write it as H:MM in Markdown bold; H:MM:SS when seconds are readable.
**10:29**
